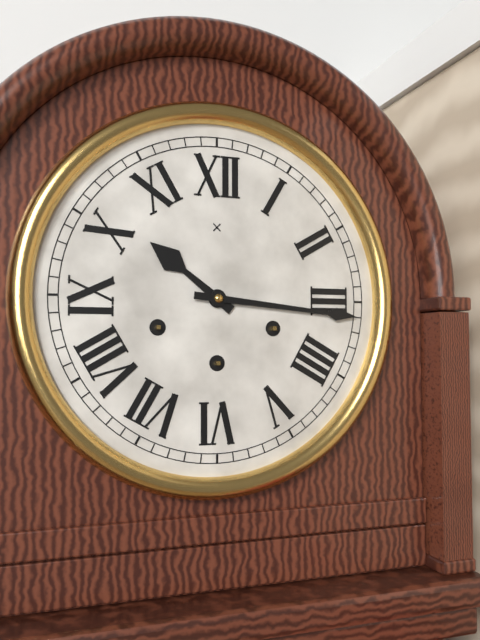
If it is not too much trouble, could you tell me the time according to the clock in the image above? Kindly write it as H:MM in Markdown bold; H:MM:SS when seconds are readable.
**10:16**
